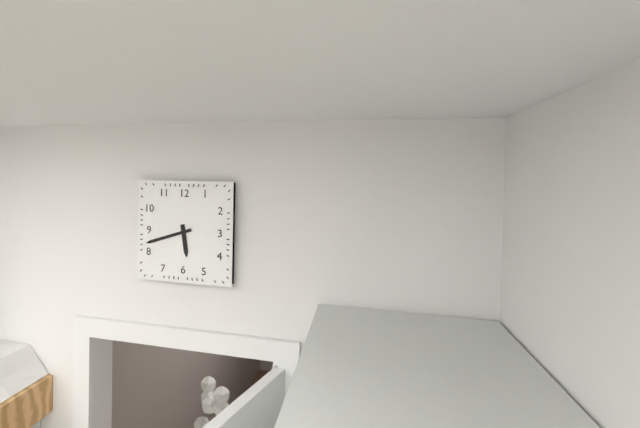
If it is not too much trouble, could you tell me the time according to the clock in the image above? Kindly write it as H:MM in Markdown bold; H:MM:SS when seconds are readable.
**5:42**
